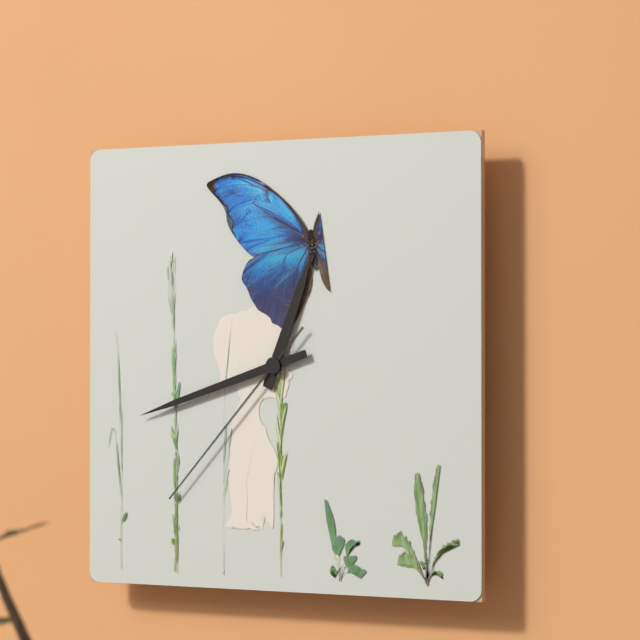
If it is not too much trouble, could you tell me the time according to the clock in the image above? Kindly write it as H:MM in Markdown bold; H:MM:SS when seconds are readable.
**12:42:37**
